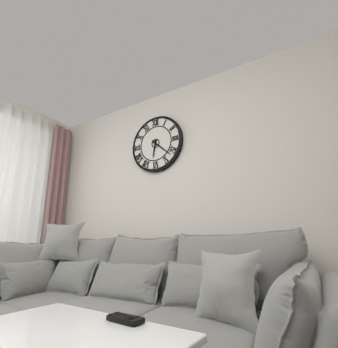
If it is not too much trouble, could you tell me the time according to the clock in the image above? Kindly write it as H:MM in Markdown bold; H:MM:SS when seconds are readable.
**6:22**
